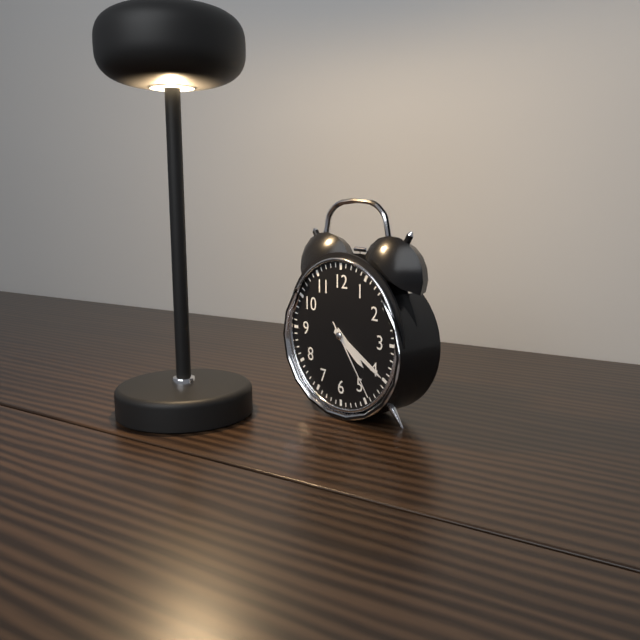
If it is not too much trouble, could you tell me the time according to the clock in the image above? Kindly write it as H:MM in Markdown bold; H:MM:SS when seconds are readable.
**4:20:24**
